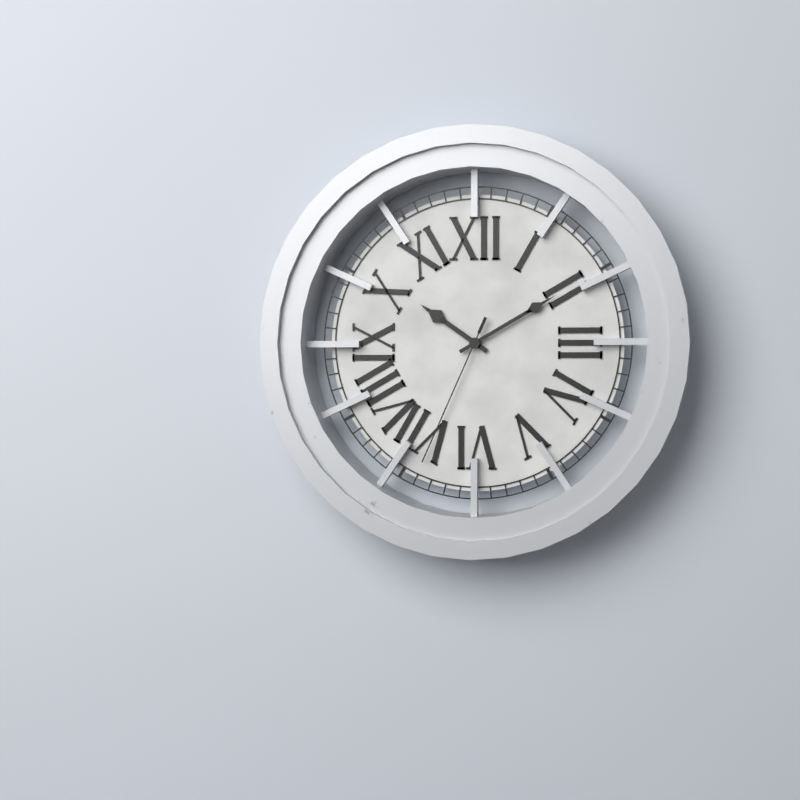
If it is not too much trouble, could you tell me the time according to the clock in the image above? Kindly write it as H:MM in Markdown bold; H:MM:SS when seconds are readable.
**10:10:34**
